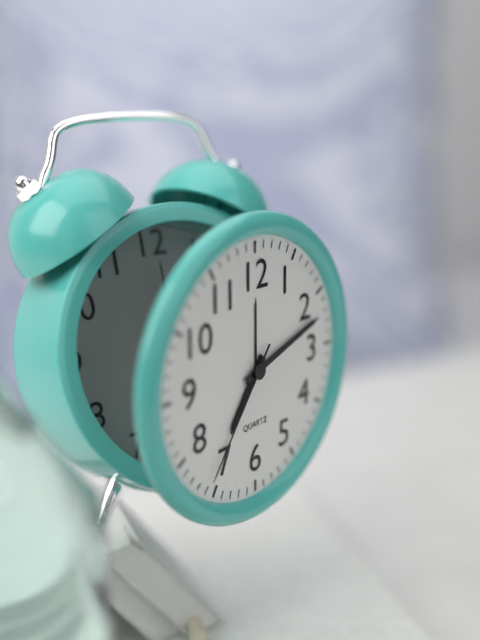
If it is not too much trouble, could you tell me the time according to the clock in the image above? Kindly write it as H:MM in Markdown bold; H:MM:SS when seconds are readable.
**7:12:36**
